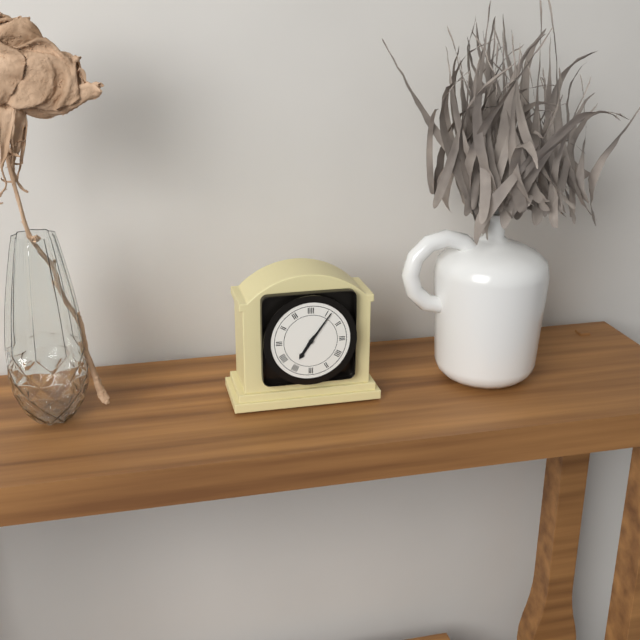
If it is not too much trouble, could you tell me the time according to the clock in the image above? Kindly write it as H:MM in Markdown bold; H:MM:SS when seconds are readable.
**7:06**
